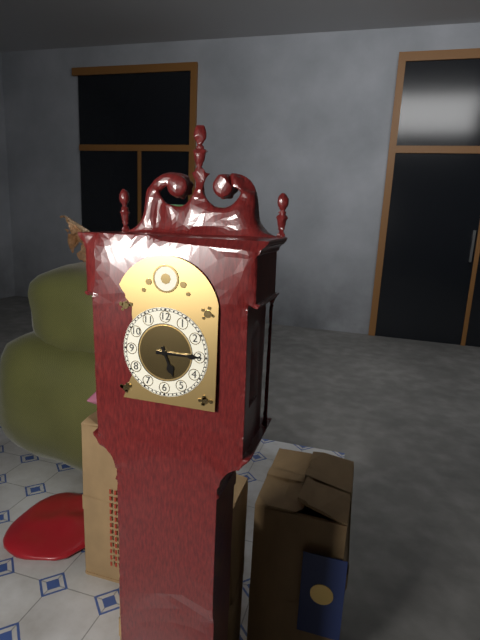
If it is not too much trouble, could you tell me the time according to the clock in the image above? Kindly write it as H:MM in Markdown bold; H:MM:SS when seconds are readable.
**5:15**
